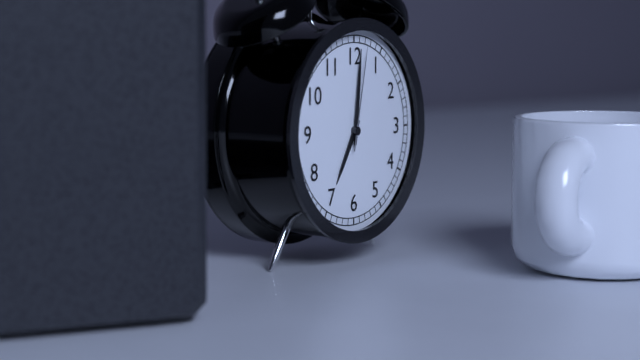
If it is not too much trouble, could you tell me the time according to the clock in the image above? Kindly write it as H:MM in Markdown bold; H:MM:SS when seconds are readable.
**7:01:02**
